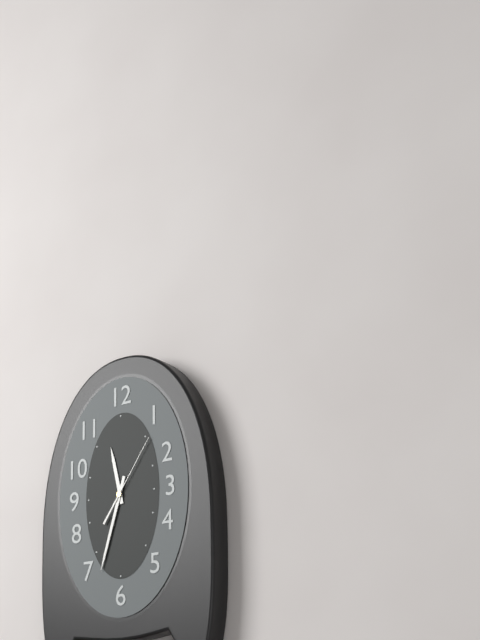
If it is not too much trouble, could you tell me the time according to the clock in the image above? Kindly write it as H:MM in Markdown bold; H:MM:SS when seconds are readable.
**11:33:06**
